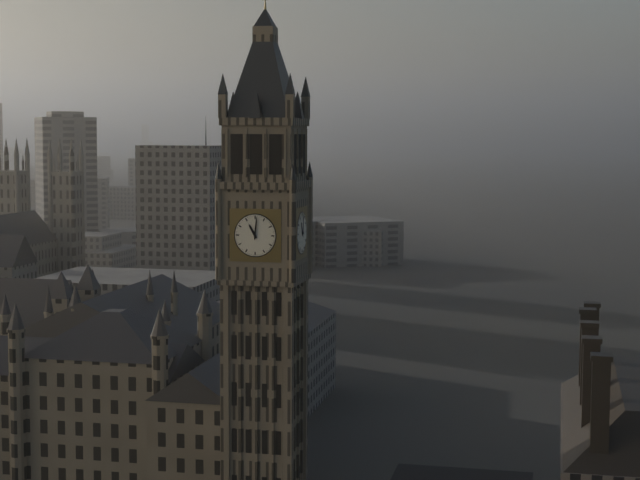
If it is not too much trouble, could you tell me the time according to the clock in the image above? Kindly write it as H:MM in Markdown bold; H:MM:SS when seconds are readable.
**11:01**
